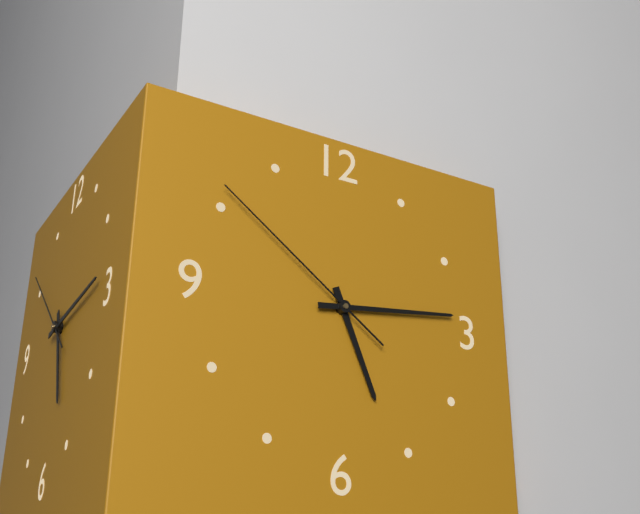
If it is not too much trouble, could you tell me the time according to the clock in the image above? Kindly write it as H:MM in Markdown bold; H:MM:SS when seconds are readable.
**5:14:51**
